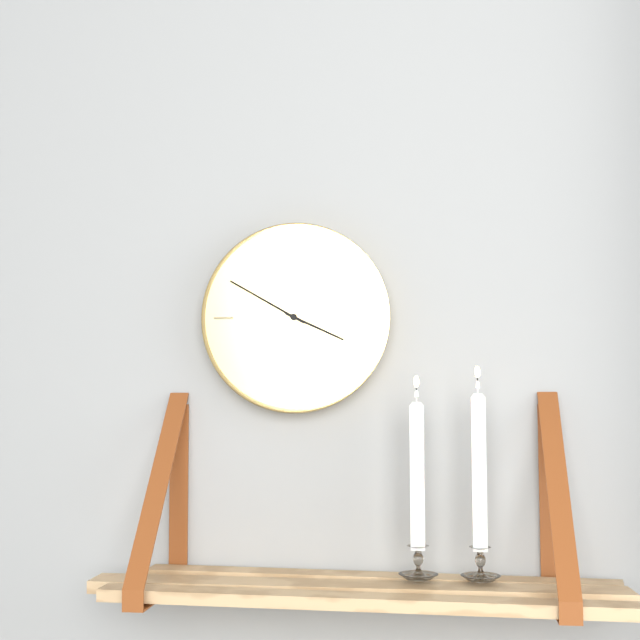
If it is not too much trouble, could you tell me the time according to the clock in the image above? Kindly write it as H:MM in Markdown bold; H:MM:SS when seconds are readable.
**3:50**
